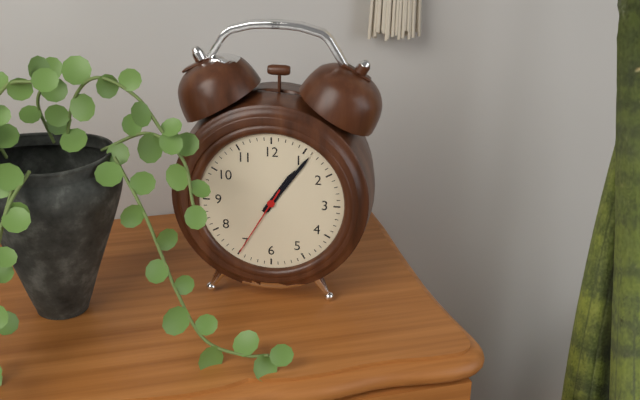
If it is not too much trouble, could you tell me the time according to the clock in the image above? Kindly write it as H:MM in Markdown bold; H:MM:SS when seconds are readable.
**1:06:35**
